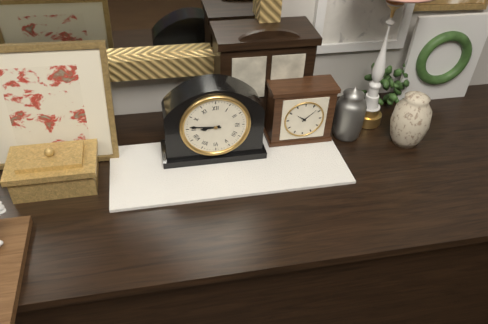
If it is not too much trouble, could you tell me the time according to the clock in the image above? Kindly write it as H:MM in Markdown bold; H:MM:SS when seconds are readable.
**8:46**
